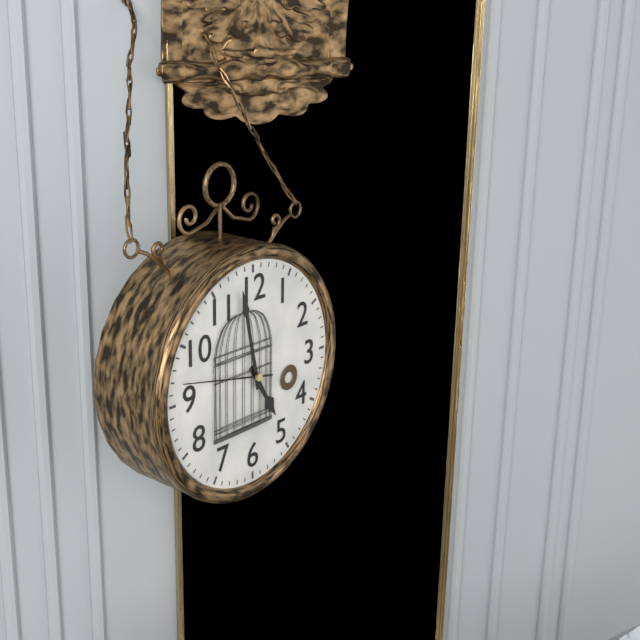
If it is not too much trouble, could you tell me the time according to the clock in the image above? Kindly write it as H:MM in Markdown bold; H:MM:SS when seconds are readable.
**4:58:47**
